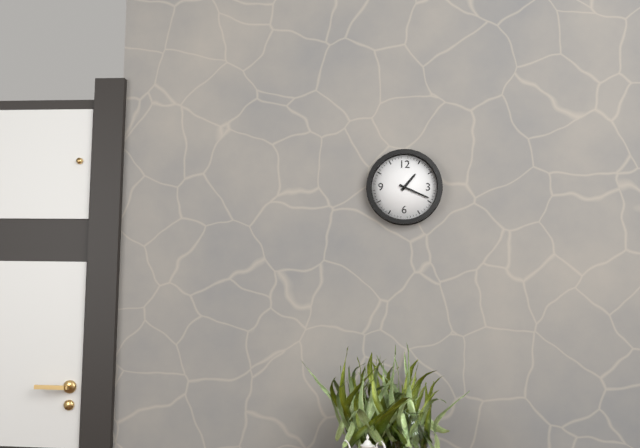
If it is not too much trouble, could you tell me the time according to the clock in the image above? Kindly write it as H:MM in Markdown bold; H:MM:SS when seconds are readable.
**1:19**
